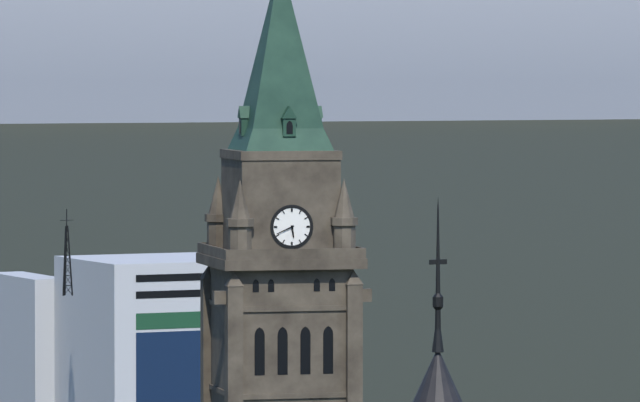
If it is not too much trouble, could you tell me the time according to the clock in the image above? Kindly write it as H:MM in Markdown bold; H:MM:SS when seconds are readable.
**5:41**
